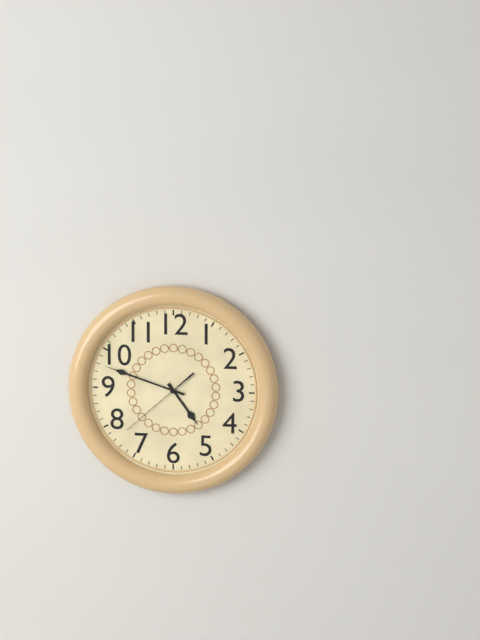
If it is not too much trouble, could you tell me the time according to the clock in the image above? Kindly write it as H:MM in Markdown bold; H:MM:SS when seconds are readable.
**4:48:38**
